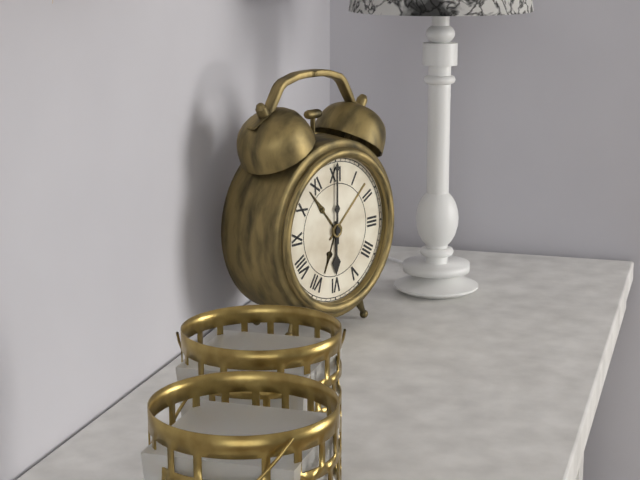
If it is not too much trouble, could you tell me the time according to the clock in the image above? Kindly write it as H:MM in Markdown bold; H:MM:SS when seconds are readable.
**6:00**
